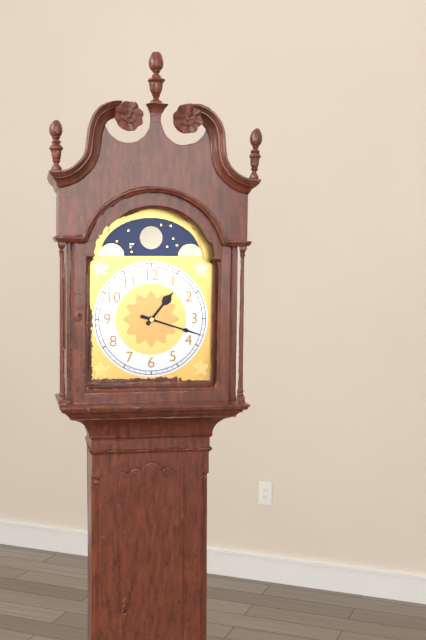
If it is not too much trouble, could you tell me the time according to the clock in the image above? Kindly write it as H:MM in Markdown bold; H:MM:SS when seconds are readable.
**1:18**
